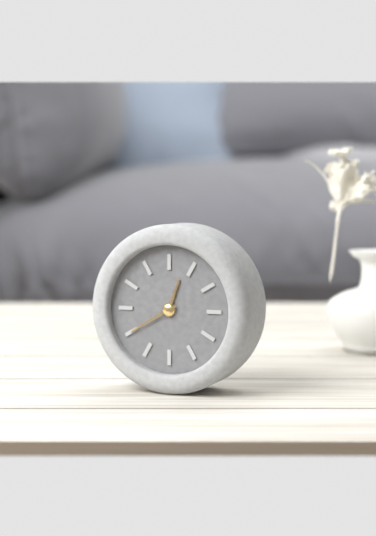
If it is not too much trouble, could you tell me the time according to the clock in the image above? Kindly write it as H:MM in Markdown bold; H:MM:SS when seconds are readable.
**12:40**
